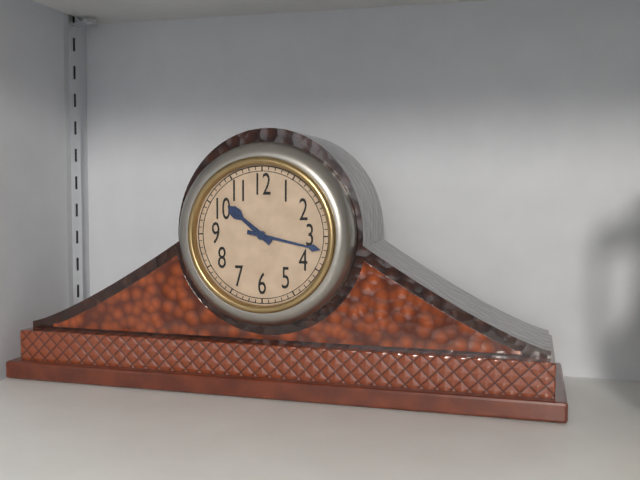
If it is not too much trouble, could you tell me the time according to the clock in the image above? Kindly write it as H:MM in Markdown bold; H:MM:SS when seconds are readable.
**10:17**
